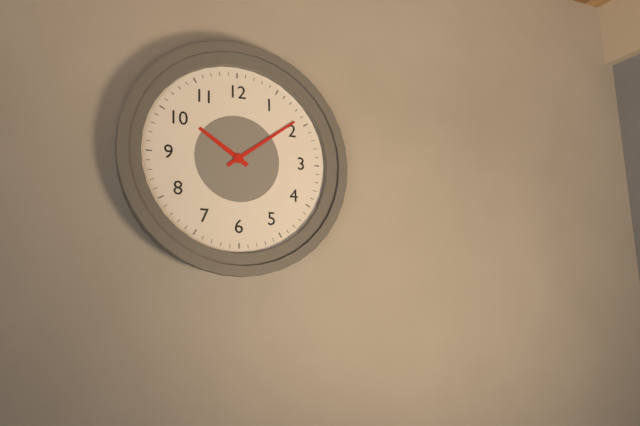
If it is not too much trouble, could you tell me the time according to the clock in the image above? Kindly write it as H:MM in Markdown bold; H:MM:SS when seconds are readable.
**10:09**
